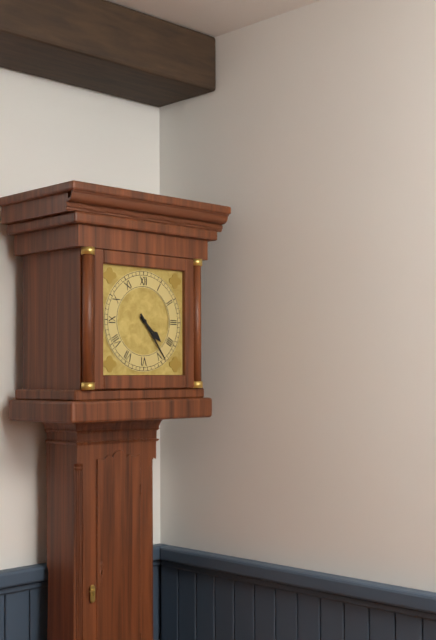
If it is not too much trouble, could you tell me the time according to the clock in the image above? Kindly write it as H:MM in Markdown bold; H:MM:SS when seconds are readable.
**4:24**
